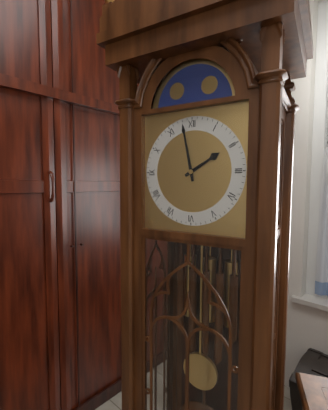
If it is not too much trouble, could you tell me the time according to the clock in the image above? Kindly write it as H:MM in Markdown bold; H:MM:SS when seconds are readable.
**1:58**
